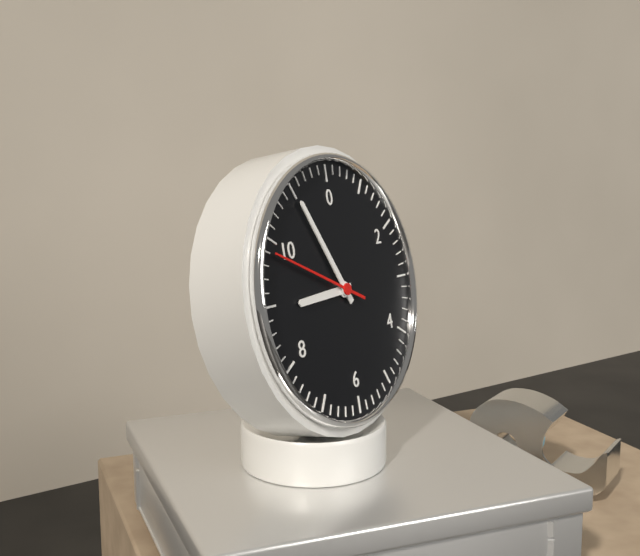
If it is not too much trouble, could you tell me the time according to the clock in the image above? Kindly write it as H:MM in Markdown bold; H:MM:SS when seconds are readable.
**8:55:49**
